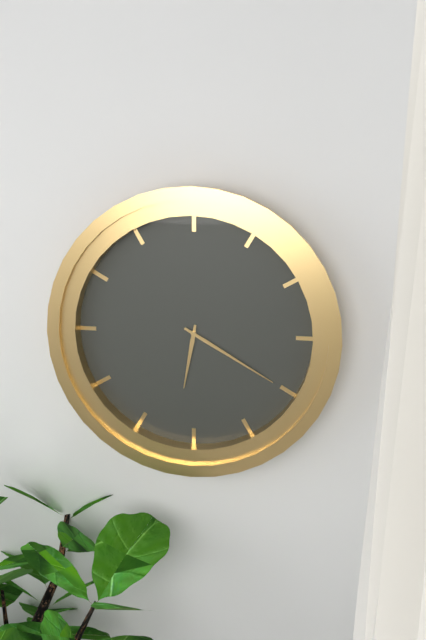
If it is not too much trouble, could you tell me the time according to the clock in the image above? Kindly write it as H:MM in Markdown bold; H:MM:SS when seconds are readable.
**6:20**
